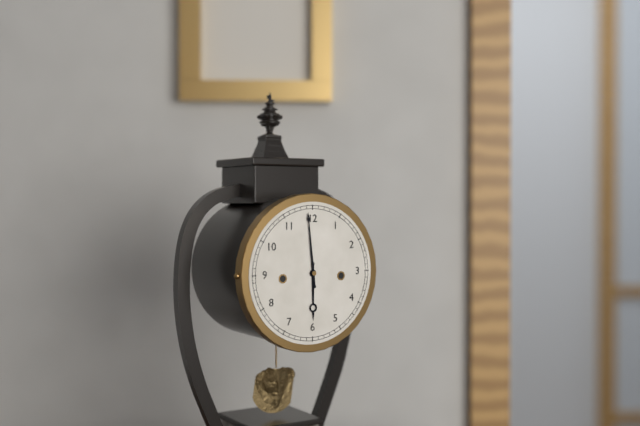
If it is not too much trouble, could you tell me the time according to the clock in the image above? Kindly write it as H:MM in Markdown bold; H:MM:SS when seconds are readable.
**5:59**
